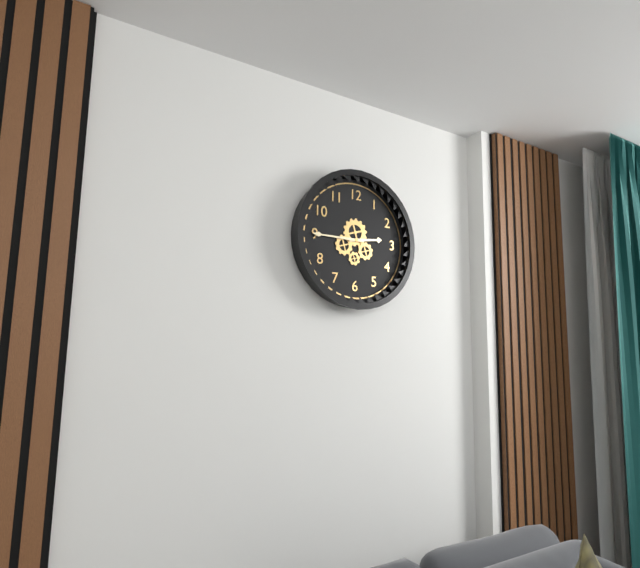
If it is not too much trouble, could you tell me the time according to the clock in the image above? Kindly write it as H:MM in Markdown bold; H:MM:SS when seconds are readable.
**2:45**
